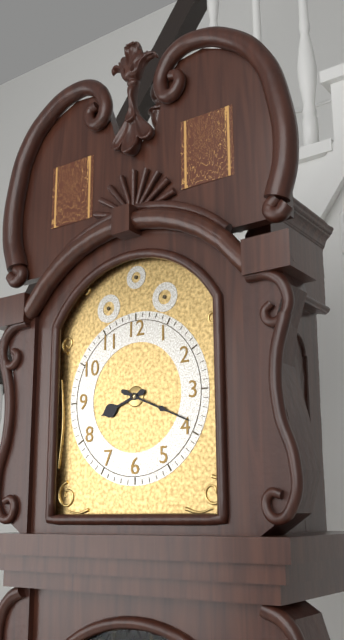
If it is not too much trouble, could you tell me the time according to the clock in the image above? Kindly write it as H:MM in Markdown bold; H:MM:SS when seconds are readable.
**8:19**
